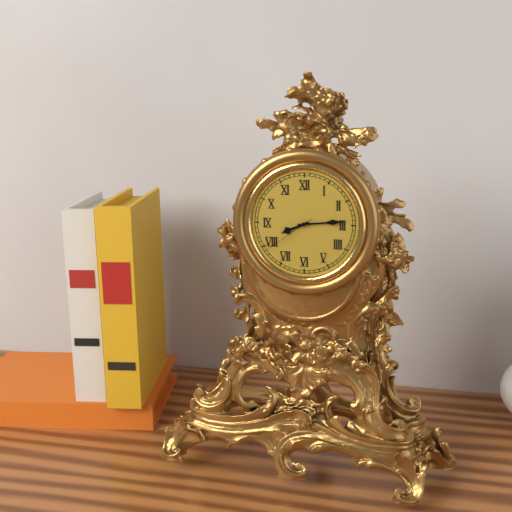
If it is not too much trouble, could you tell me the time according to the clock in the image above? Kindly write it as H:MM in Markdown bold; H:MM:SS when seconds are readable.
**8:14:39**
